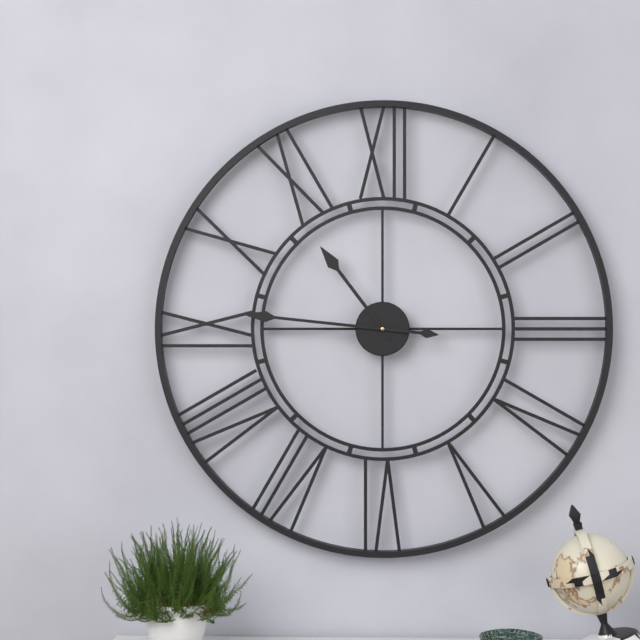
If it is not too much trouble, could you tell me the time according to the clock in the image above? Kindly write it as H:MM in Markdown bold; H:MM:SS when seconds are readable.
**10:46**
